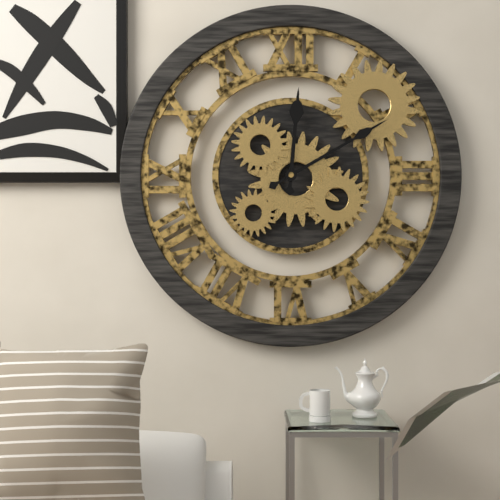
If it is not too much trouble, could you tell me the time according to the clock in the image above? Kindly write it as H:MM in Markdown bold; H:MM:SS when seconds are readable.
**12:10**
